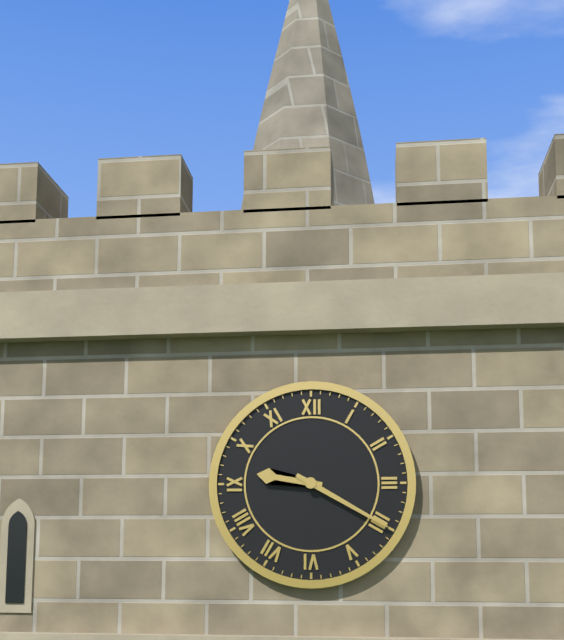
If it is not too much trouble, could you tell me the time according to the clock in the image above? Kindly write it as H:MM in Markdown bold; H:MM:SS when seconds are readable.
**9:20**
